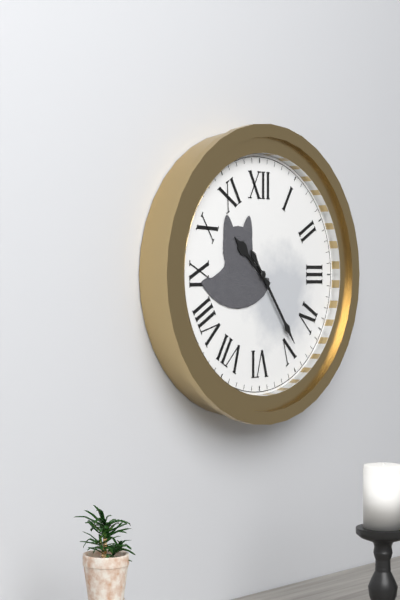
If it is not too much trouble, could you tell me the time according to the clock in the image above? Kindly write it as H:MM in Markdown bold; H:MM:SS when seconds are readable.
**10:24**
